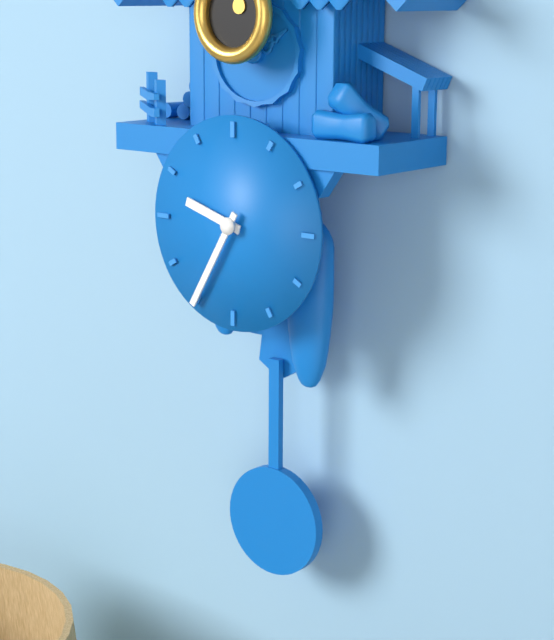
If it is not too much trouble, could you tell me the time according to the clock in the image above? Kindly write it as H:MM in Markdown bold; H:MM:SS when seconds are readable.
**9:35**
